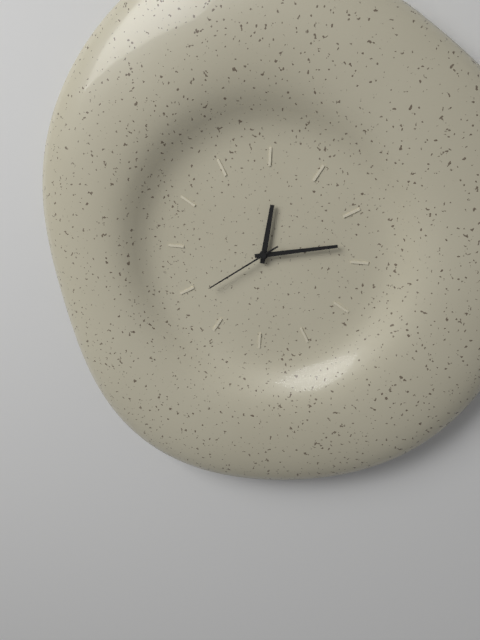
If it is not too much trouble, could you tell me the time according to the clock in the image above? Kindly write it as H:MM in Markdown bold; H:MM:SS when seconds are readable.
**12:13:39**
